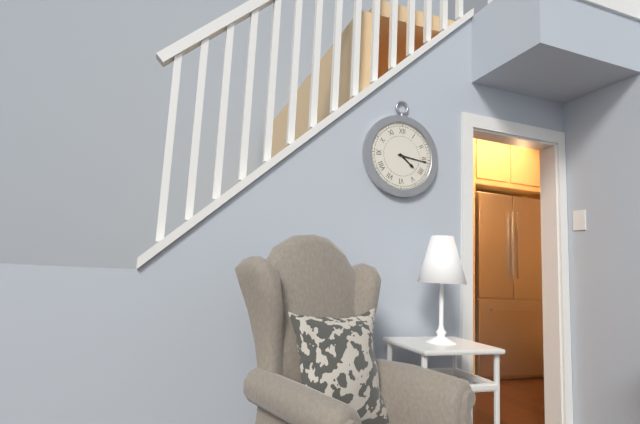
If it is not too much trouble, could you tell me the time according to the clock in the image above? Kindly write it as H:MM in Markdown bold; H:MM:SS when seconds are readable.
**4:16**
